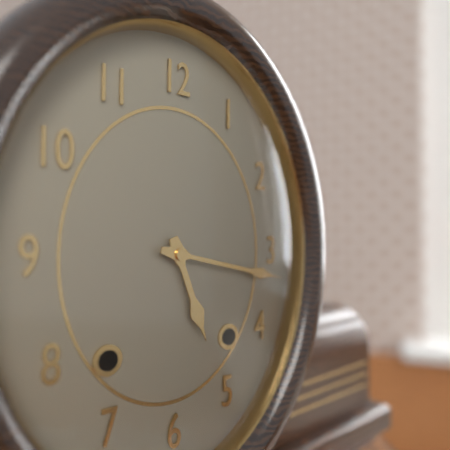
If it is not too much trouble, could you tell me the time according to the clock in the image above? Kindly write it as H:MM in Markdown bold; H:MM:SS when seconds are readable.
**5:17**
